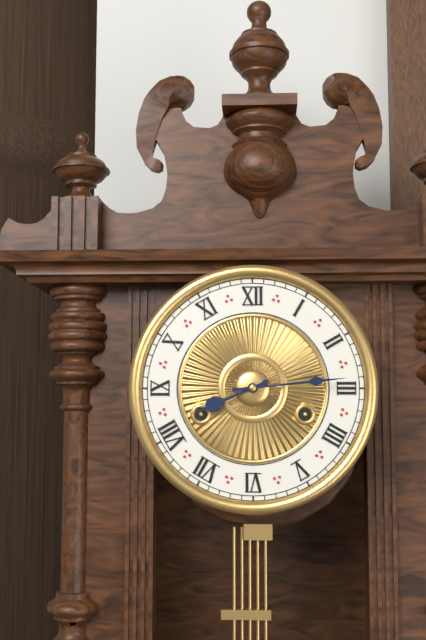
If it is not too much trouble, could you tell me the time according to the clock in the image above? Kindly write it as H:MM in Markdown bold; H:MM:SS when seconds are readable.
**8:14**
